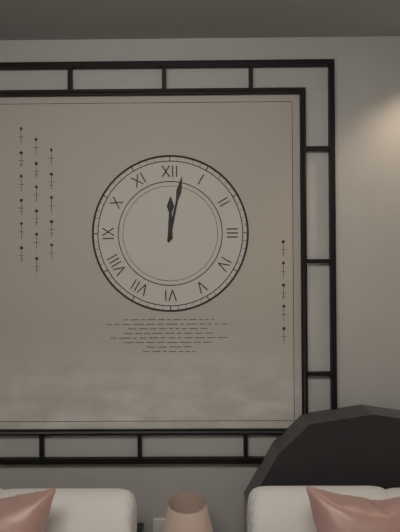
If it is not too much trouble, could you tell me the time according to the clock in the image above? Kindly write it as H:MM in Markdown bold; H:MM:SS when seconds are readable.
**12:02**
